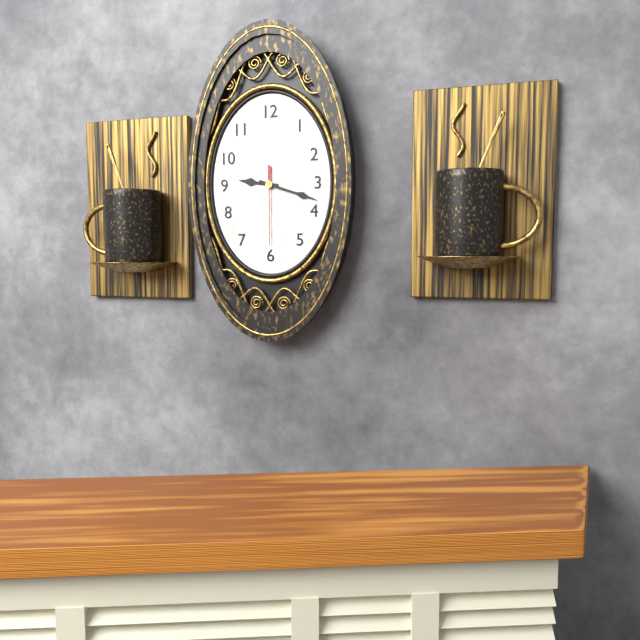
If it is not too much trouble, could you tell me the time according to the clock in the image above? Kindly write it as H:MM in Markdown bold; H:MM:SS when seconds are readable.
**9:18:30**
